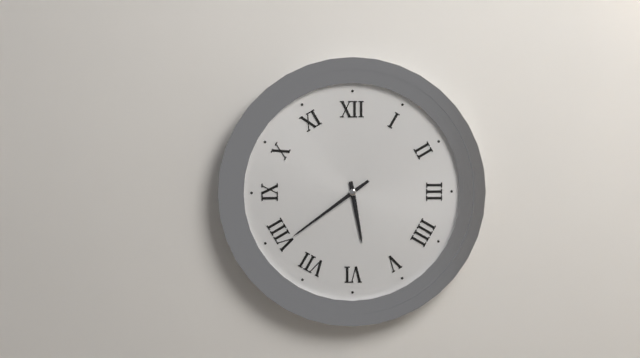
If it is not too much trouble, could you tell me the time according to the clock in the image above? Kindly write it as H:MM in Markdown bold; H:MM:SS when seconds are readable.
**5:39**
